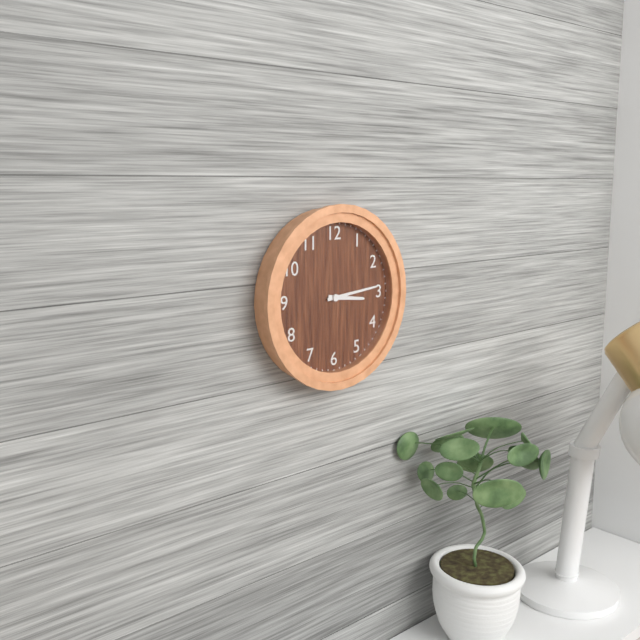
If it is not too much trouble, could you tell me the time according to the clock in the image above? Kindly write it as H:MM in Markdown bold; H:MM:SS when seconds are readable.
**3:14**
